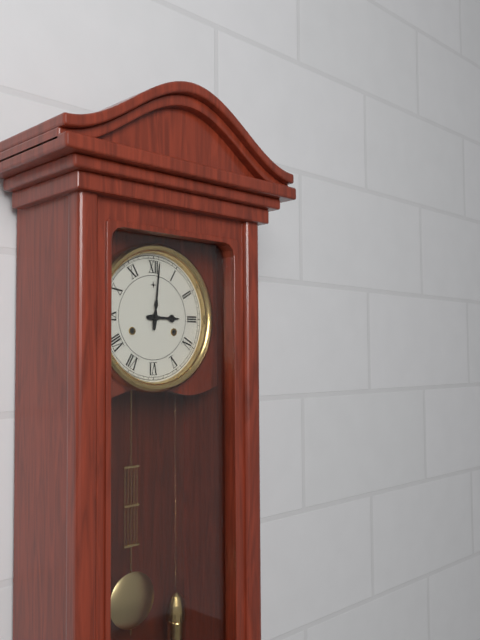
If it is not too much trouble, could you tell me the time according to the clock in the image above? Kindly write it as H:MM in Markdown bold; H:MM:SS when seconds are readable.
**3:01**
